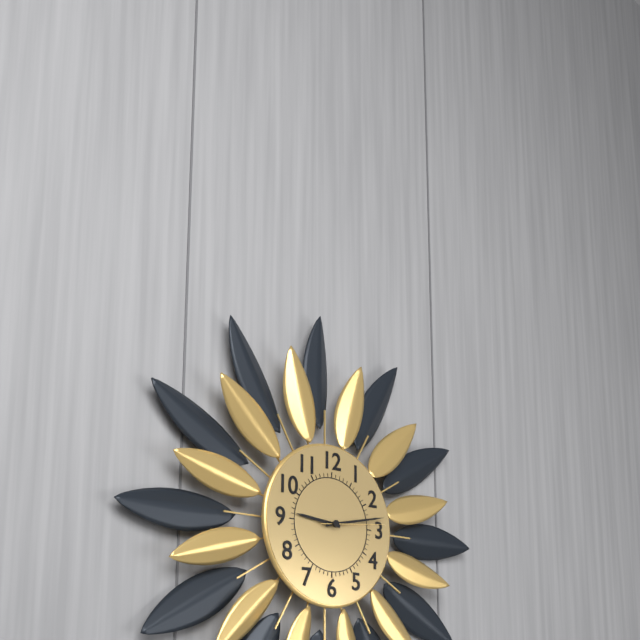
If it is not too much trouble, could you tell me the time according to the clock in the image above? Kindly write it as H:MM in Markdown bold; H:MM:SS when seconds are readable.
**9:13:14**
